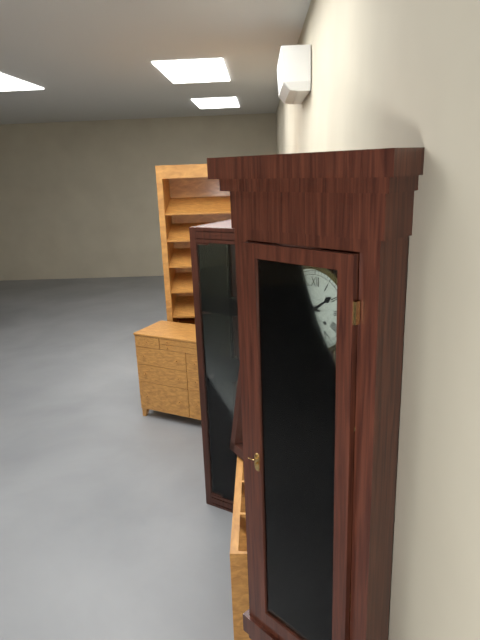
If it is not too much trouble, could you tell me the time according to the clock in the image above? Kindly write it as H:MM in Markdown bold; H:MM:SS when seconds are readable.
**1:46**
